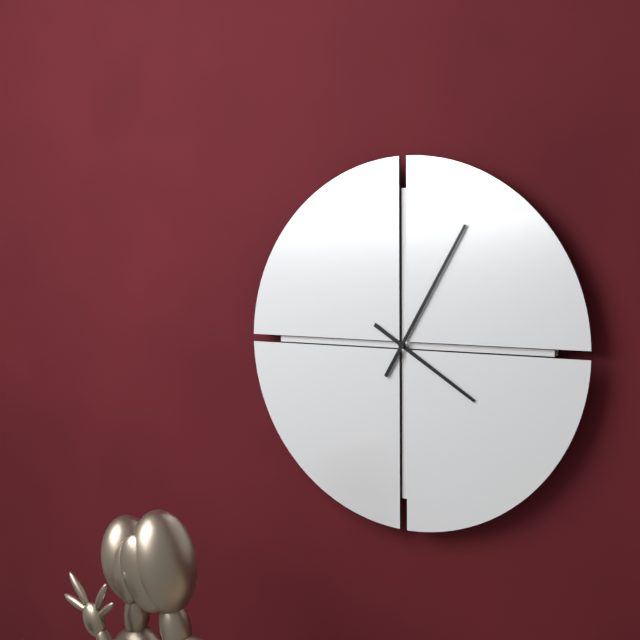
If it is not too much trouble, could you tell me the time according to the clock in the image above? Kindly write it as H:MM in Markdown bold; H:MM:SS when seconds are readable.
**4:05**
